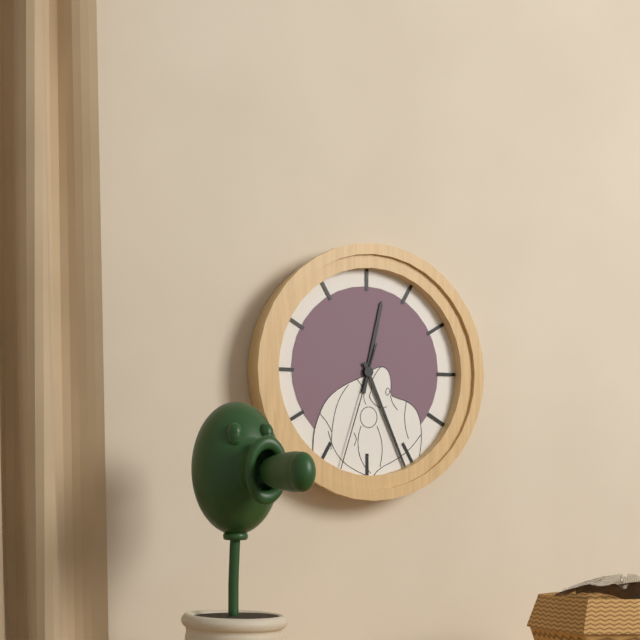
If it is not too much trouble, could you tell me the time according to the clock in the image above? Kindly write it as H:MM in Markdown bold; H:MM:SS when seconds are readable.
**12:26:33**
